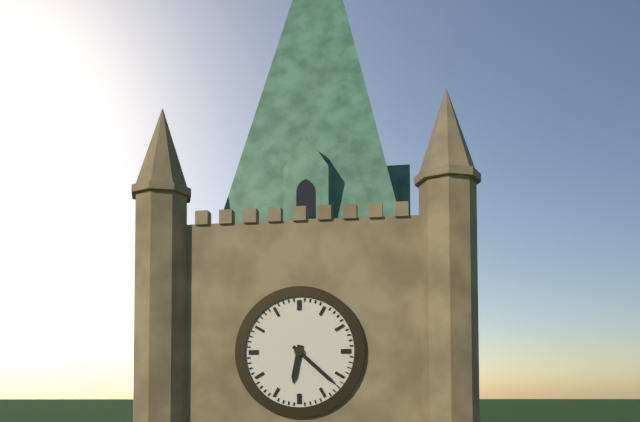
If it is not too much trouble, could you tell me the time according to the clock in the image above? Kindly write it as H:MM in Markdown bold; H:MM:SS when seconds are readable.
**6:22**
